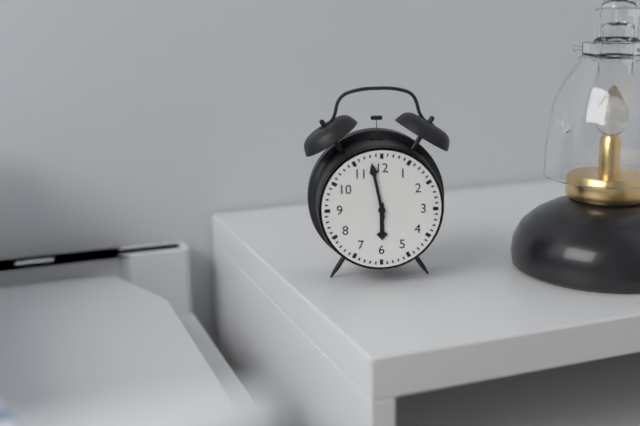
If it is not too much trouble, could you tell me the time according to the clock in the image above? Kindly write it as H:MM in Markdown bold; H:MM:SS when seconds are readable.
**5:58**
